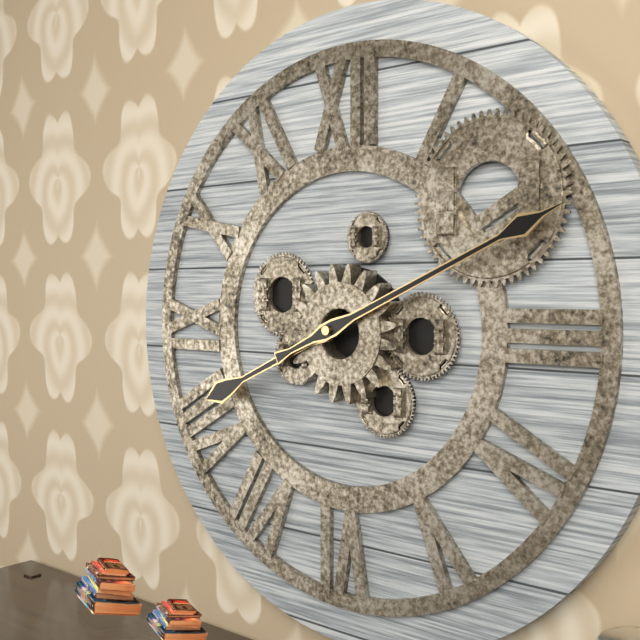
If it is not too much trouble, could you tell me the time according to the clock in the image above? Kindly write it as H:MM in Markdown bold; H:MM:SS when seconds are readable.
**8:11**
